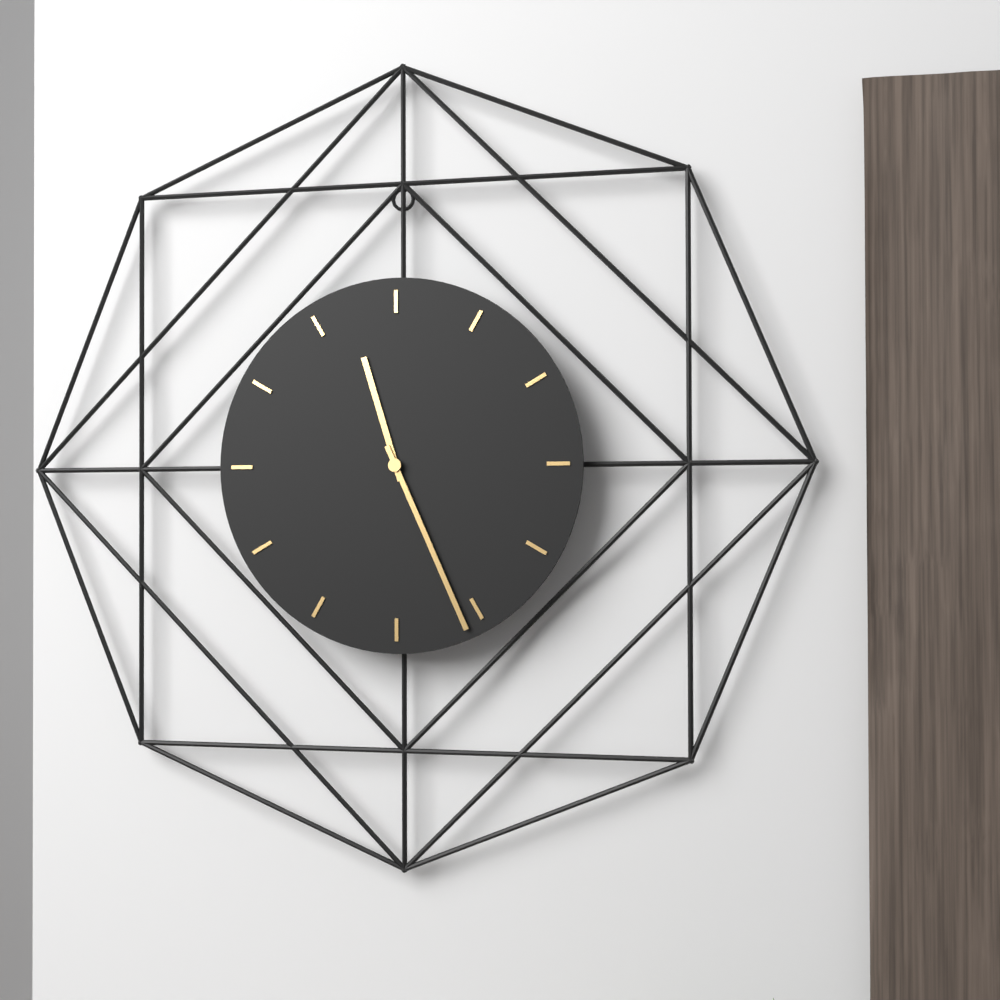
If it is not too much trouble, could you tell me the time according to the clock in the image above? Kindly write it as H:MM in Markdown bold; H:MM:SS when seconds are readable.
**11:26**
